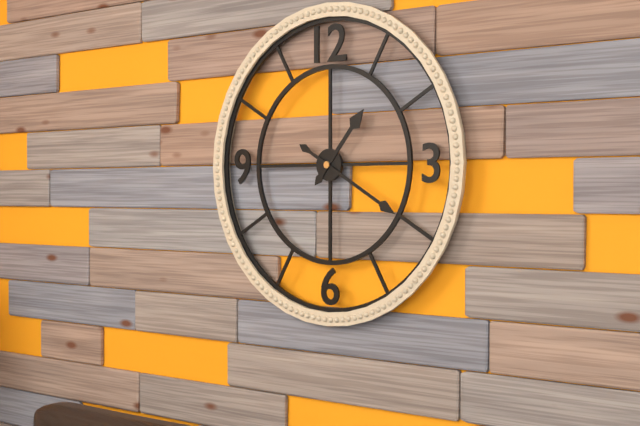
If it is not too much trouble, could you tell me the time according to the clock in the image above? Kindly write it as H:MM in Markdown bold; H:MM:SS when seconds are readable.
**1:20**
